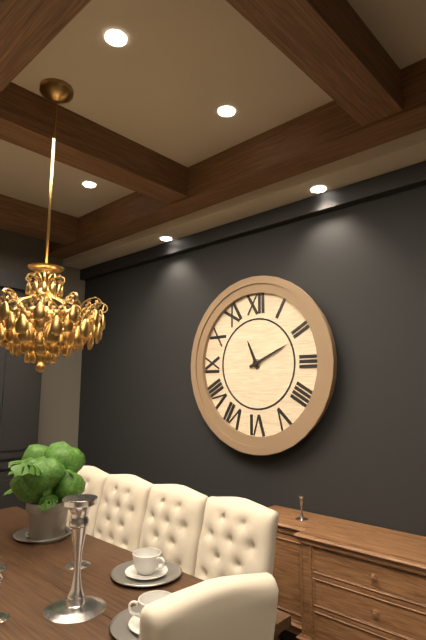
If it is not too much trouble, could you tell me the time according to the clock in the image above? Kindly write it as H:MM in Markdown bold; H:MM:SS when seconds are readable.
**11:11**
